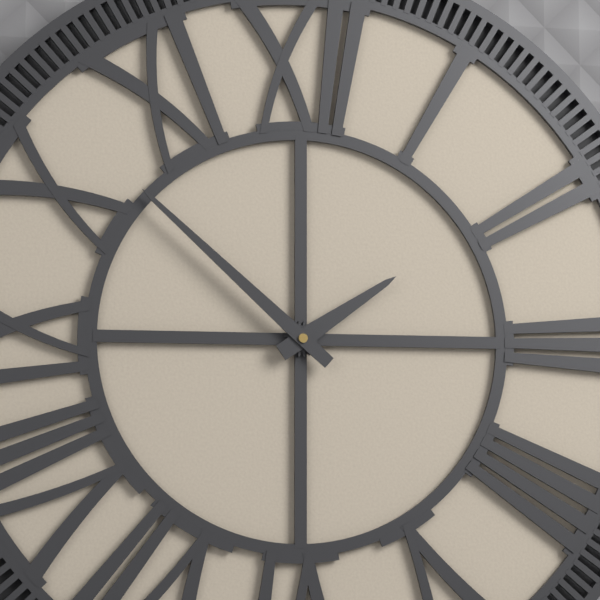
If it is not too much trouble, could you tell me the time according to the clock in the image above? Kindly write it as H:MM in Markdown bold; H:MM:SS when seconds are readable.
**1:52**
